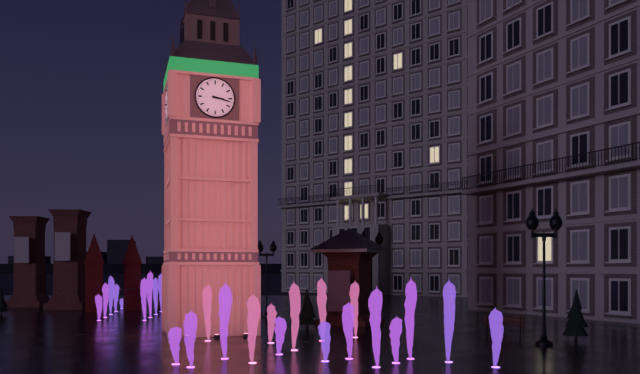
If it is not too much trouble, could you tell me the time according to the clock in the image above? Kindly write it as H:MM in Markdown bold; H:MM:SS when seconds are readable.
**3:17**
